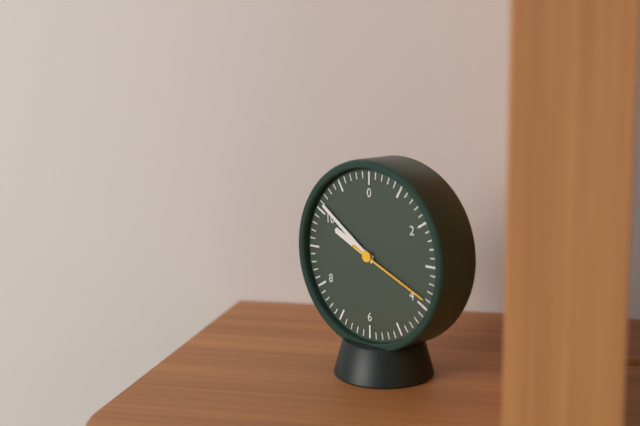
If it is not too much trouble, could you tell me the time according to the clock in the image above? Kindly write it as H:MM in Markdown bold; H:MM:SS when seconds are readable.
**9:51:19**
